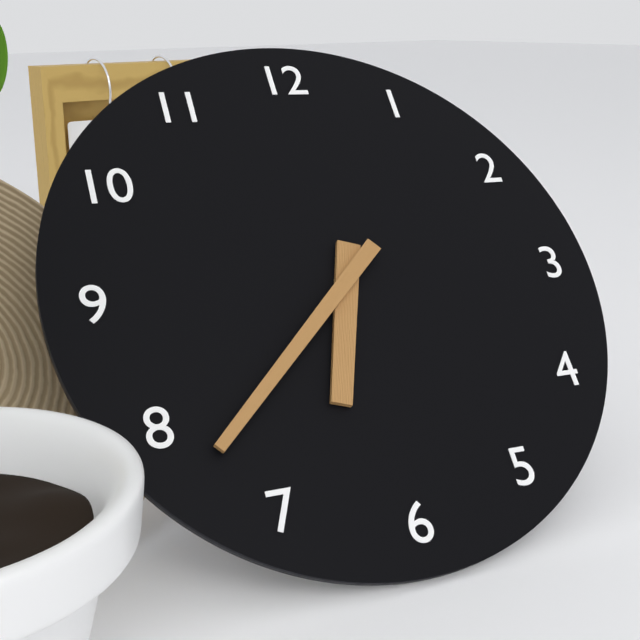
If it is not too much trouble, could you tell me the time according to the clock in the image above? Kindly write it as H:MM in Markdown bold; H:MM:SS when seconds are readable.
**6:38**
